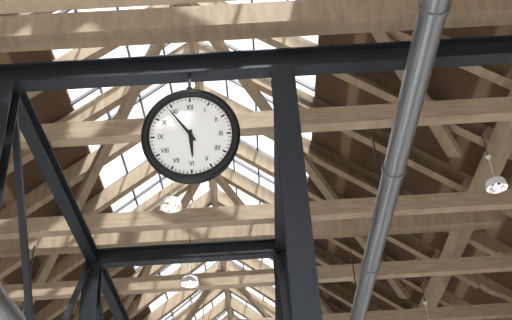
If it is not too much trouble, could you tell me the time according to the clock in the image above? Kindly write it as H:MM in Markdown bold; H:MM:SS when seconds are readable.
**5:54**
